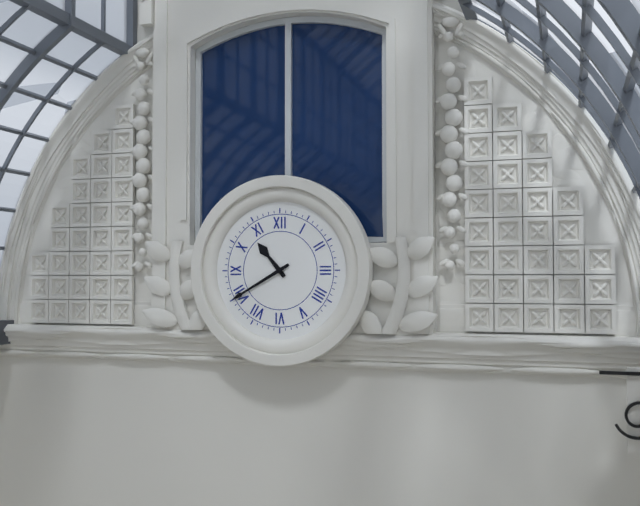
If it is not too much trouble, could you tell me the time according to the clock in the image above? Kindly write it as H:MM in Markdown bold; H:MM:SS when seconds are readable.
**10:40**
